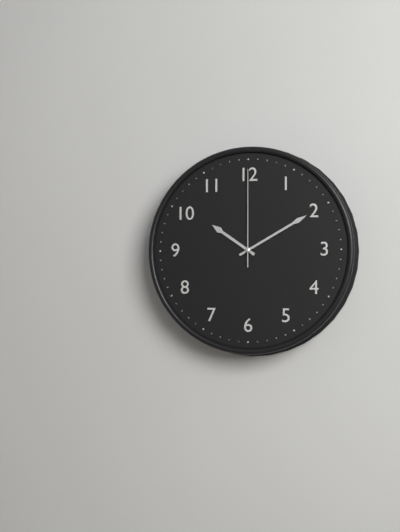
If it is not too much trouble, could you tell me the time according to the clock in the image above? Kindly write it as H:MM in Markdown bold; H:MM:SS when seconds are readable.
**10:10:00**
